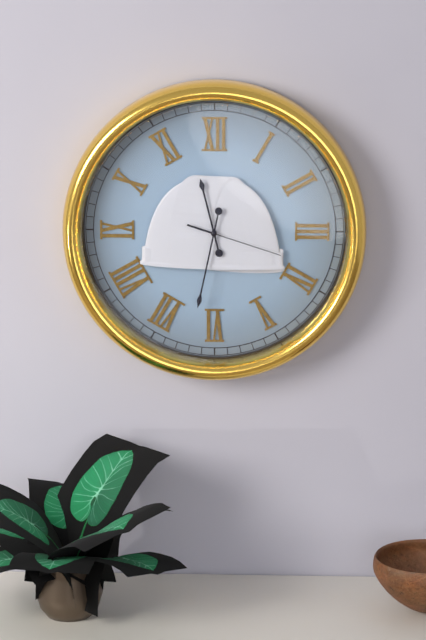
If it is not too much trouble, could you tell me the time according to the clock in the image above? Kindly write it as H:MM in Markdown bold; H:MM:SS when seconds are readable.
**11:32:18**
